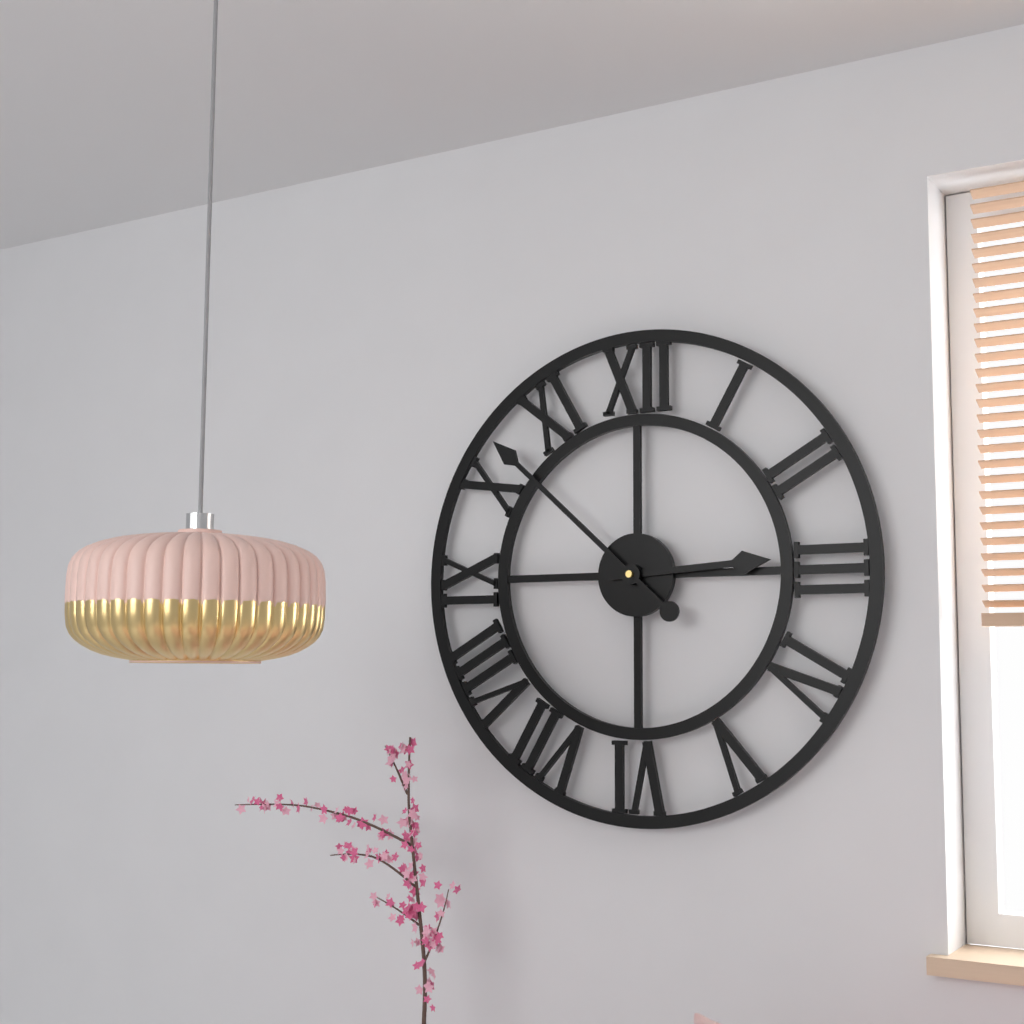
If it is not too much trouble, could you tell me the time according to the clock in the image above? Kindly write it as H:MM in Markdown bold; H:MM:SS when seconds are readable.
**2:52**
